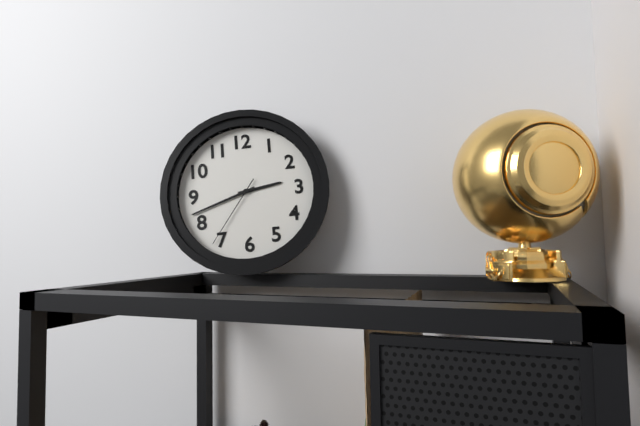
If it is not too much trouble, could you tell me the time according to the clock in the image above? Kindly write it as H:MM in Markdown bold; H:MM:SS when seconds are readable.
**2:42:36**
